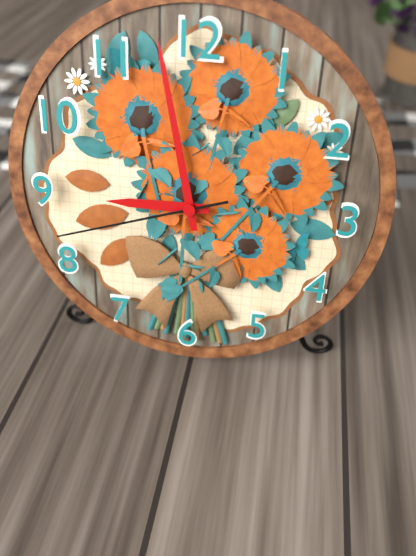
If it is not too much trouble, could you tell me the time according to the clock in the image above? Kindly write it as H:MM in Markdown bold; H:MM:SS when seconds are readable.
**8:58:42**
